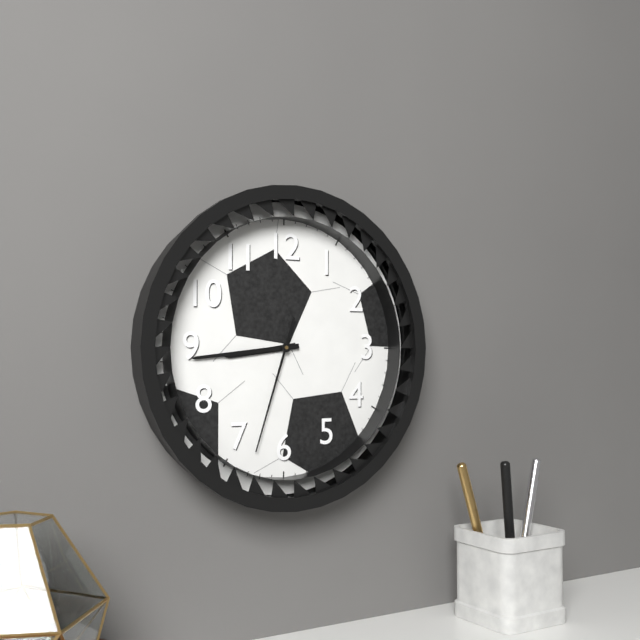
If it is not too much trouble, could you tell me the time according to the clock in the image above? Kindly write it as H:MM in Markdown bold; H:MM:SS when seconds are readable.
**8:44:33**
